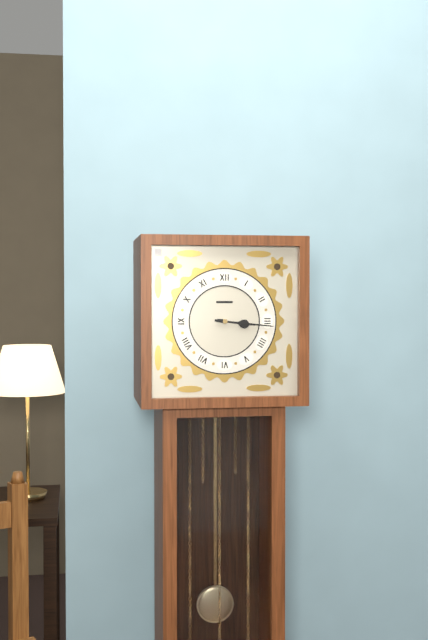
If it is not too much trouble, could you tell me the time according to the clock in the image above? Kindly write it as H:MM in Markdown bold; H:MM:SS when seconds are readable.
**3:16**
